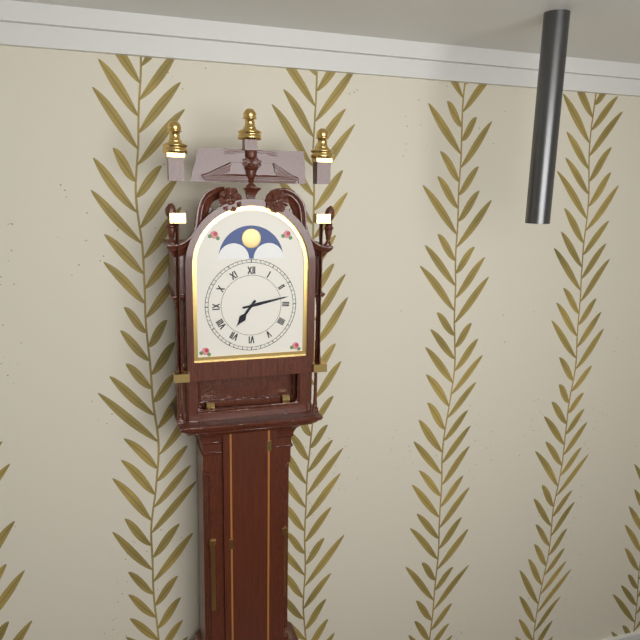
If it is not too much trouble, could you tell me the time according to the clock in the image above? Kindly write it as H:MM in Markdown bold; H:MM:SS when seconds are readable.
**7:13**
